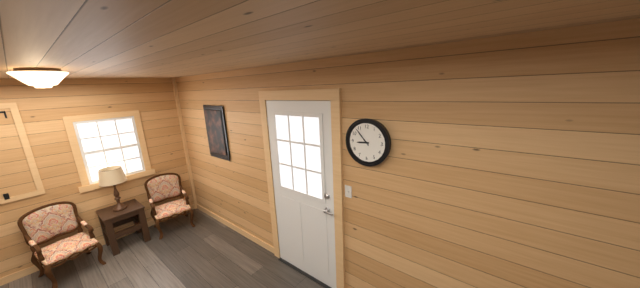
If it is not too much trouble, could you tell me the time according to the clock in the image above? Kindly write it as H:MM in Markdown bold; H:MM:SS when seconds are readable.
**8:53**
